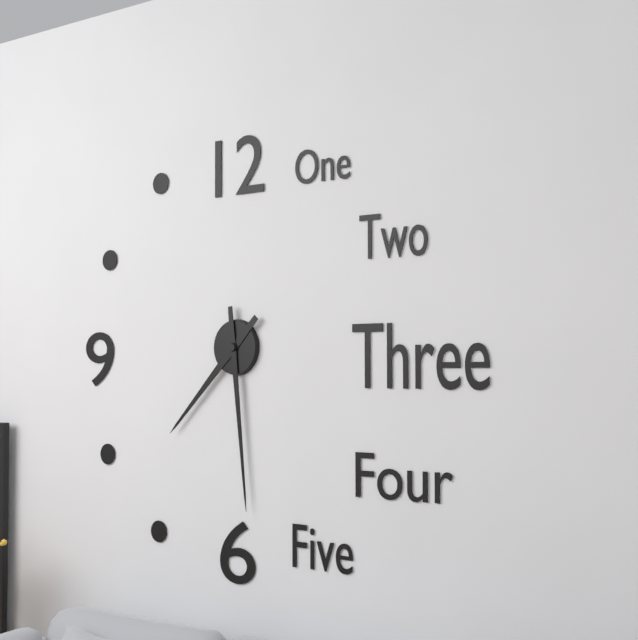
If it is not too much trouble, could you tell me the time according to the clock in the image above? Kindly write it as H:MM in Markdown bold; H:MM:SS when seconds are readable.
**7:29**
